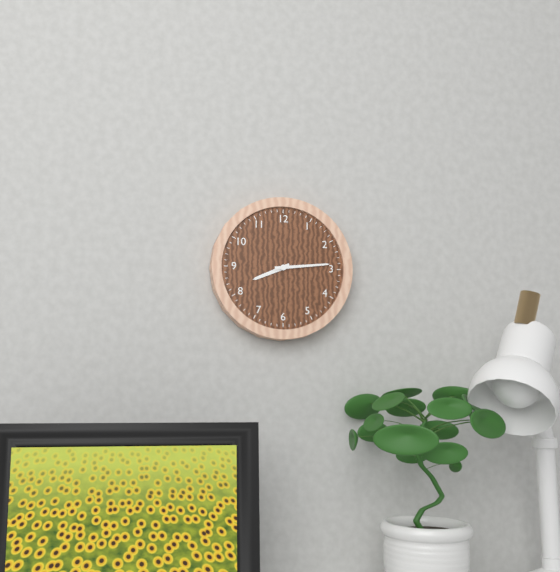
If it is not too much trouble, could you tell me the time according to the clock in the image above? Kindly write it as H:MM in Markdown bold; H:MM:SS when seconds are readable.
**8:14**
